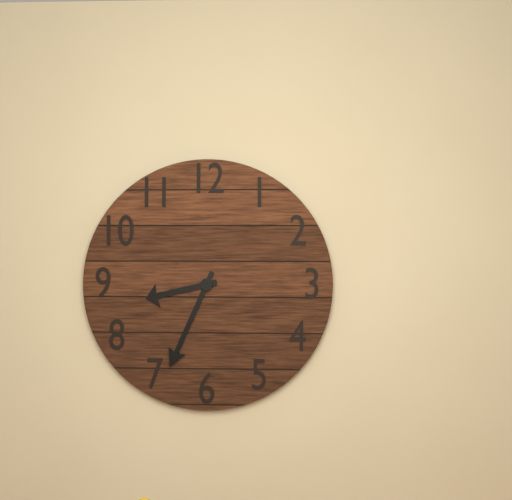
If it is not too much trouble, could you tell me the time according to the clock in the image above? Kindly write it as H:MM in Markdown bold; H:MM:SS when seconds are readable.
**8:34**
